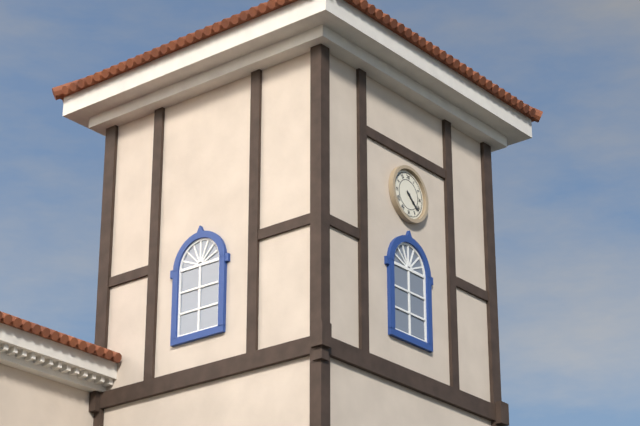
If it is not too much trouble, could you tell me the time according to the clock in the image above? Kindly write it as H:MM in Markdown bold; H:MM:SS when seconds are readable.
**4:22**
